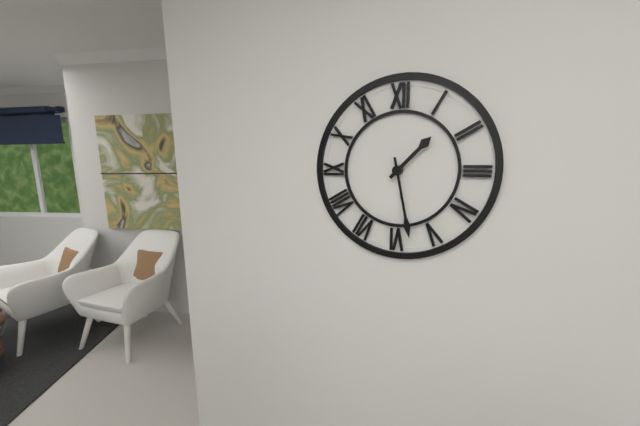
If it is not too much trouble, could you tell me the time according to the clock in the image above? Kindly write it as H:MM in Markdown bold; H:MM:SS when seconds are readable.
**1:28**
